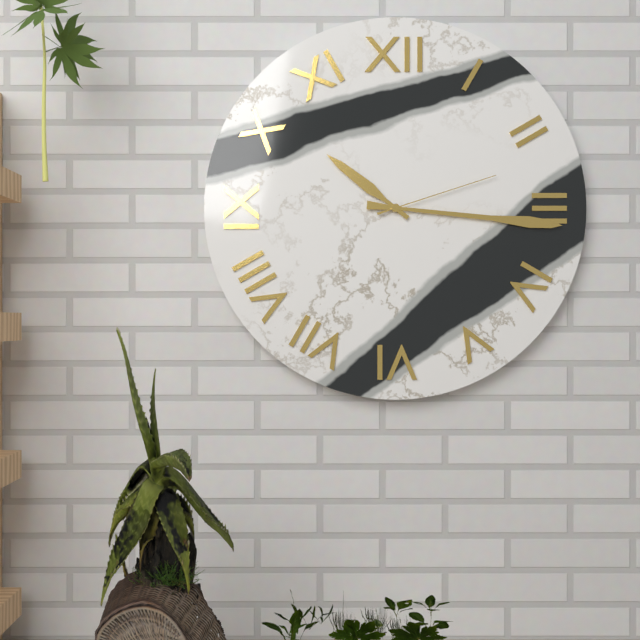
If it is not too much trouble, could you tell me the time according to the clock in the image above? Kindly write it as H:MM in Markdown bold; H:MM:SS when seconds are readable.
**10:16:12**
